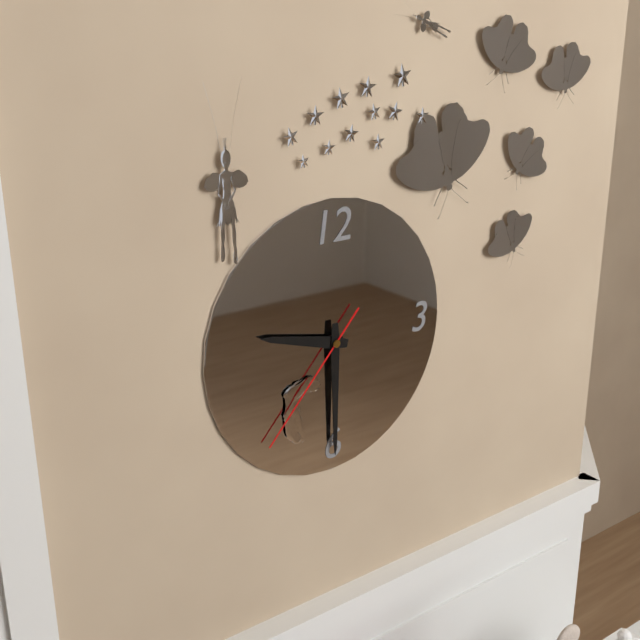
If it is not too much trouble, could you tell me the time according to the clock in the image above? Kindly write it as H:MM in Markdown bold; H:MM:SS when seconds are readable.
**9:30:37**
